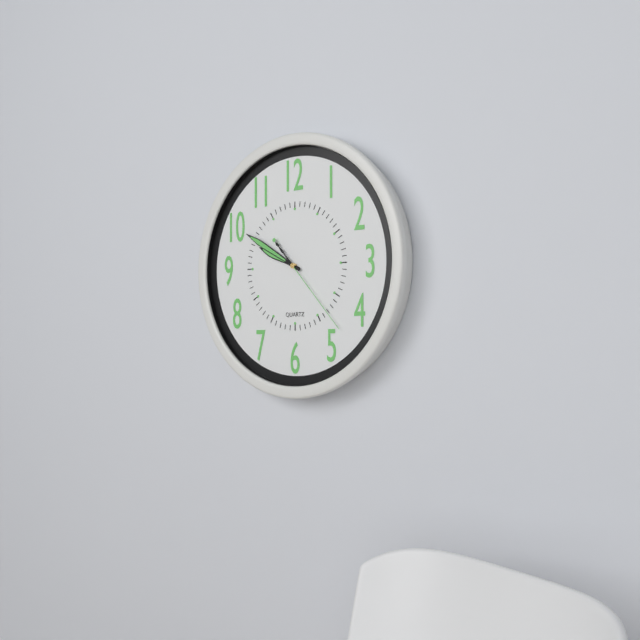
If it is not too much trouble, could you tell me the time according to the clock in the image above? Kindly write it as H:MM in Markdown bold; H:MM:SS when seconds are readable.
**9:50:23**
